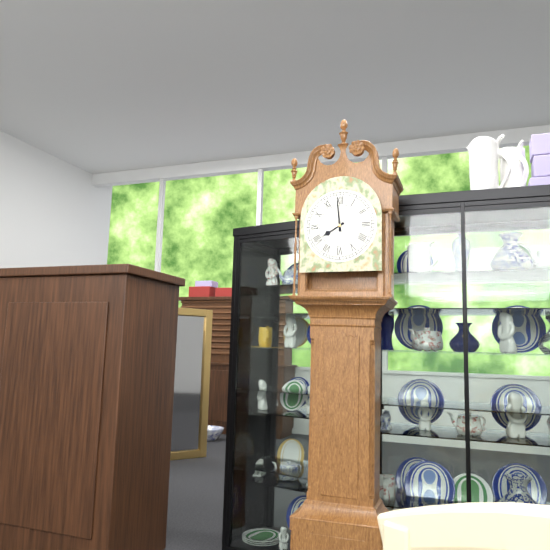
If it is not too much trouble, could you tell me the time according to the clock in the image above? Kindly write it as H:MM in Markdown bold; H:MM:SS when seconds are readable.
**7:59**
